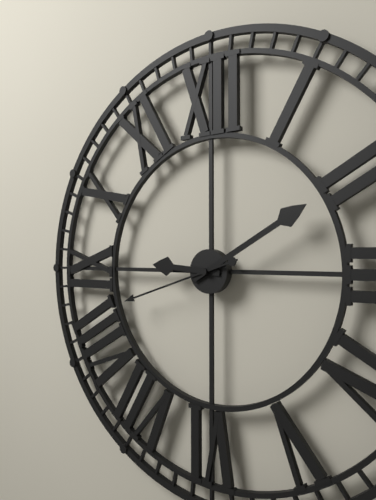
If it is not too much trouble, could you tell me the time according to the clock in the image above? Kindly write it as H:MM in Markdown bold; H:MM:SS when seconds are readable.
**9:10:42**
